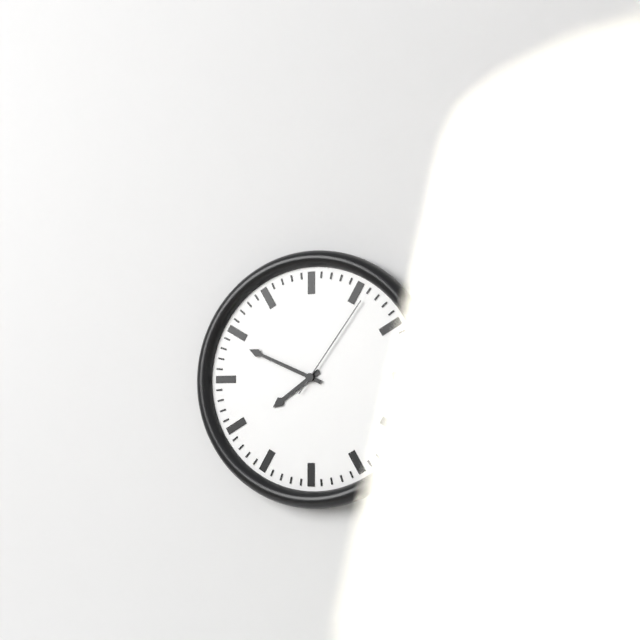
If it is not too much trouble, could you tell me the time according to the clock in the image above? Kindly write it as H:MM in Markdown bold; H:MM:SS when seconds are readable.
**7:49:06**
